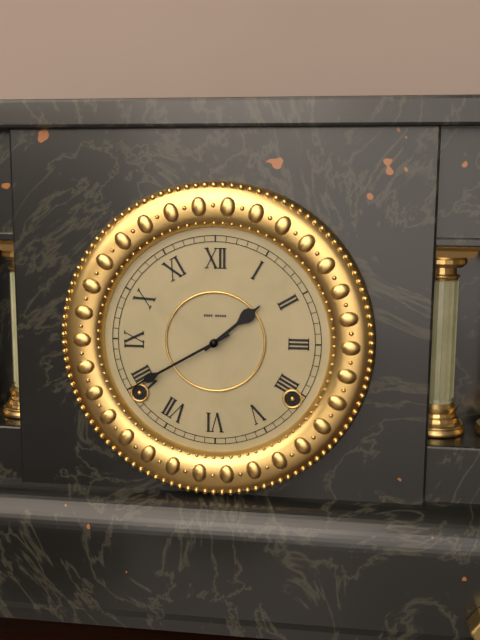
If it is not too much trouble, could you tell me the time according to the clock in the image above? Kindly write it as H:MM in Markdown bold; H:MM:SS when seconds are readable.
**1:40**
